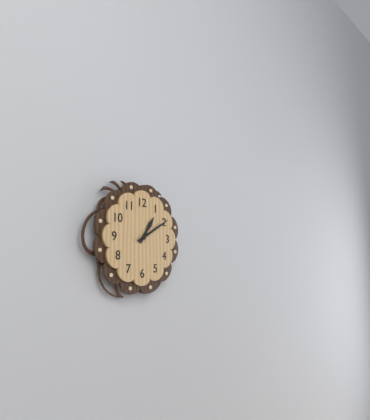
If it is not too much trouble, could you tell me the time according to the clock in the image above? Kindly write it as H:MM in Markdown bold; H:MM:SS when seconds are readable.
**1:10**
